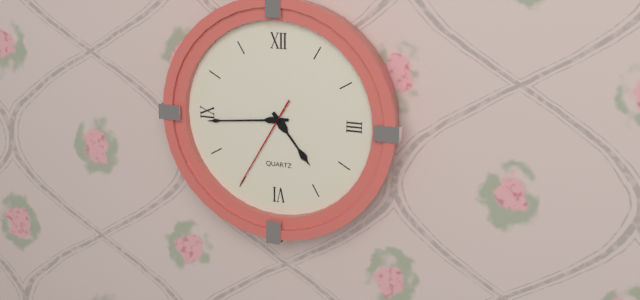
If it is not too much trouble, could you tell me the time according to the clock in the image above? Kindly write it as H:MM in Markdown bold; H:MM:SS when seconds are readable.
**4:44:35**
